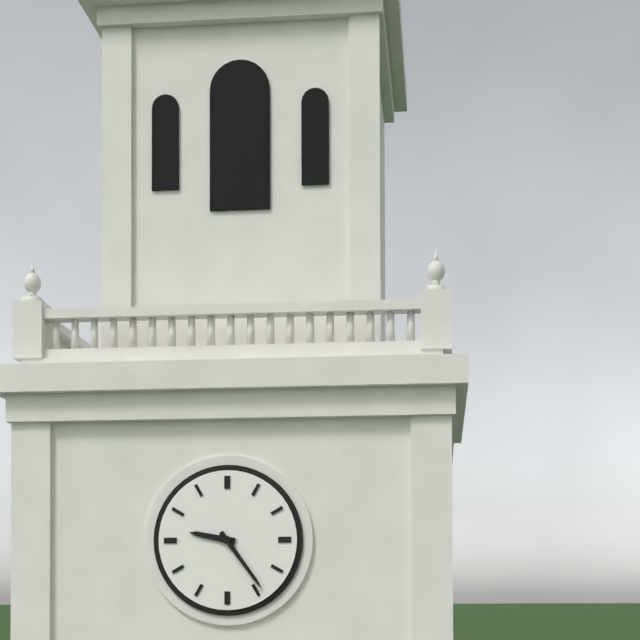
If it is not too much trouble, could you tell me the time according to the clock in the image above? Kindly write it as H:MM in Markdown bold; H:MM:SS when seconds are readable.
**9:24**
